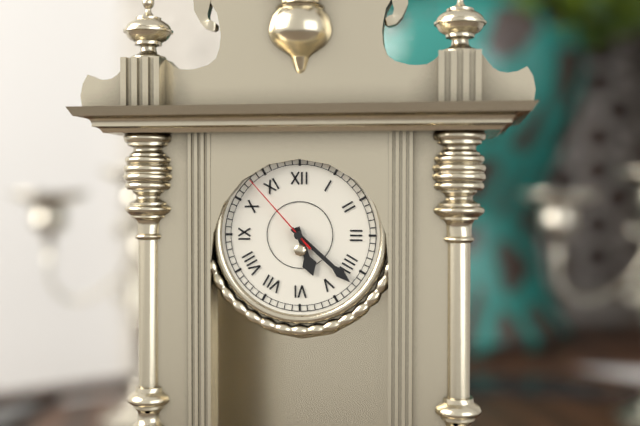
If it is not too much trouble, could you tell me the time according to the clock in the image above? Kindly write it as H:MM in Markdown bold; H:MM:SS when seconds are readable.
**5:22:53**
